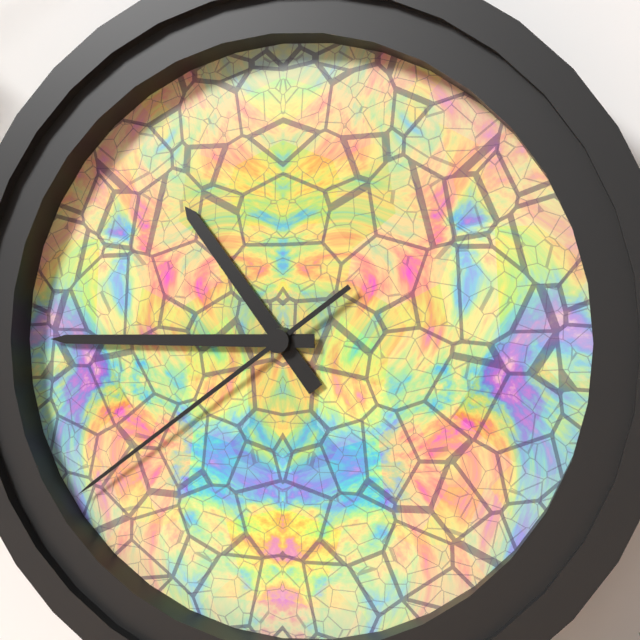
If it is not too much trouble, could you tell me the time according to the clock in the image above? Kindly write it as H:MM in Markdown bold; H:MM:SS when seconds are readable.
**10:45:39**
